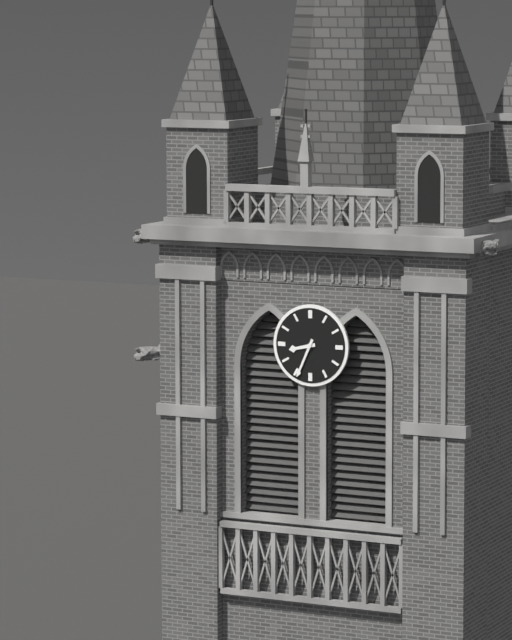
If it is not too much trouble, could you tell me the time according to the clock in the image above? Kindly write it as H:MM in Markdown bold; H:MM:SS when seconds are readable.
**8:34**
